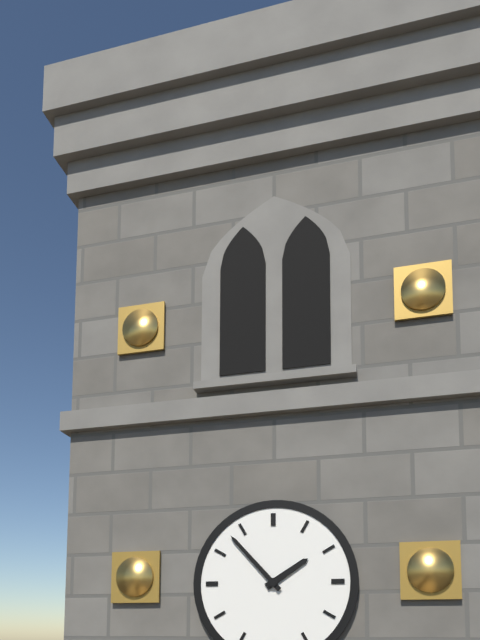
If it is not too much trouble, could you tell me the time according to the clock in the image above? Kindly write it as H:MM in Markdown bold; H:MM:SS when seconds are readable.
**1:53**
